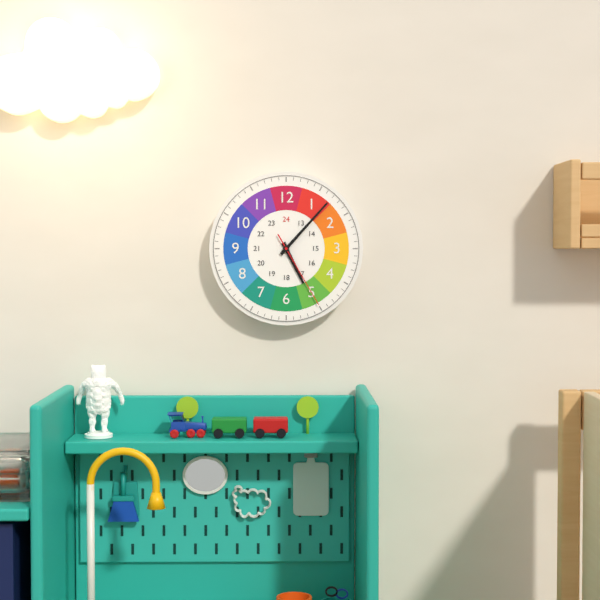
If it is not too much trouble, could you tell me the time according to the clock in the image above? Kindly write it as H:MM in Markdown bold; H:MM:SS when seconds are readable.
**5:07:25**
